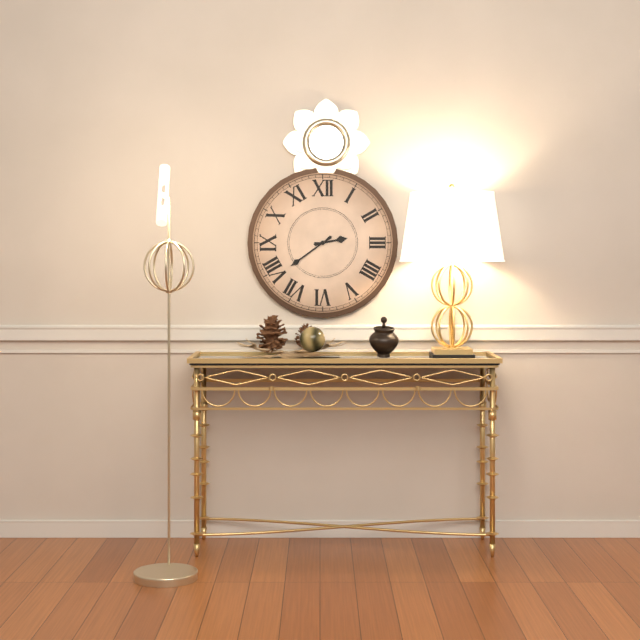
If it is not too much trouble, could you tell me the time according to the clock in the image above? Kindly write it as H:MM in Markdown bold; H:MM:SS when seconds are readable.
**2:39**
